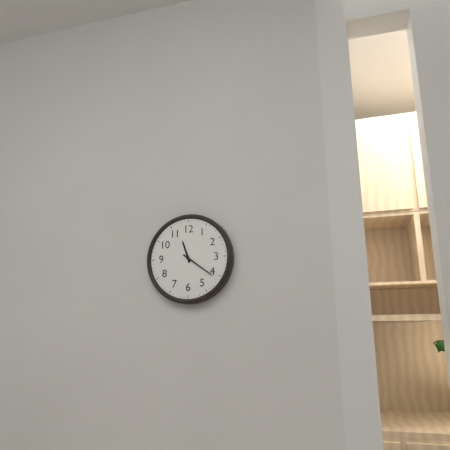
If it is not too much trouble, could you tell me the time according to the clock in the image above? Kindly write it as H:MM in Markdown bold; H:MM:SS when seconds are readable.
**11:21**
